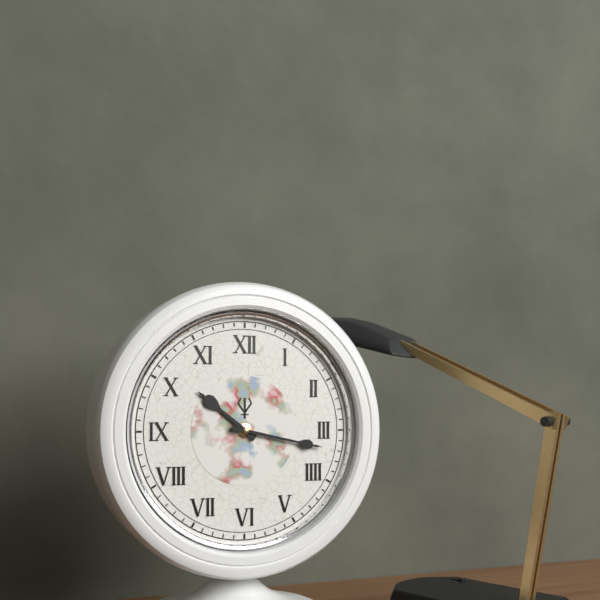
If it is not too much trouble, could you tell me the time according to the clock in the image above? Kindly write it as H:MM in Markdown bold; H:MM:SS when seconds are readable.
**10:17**
